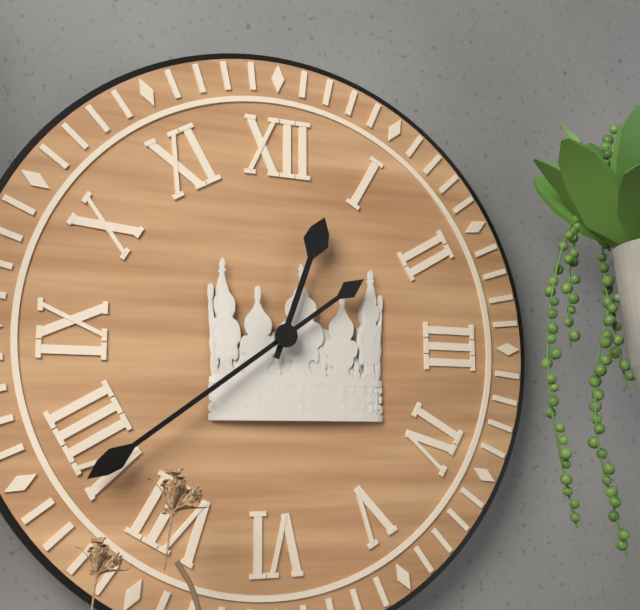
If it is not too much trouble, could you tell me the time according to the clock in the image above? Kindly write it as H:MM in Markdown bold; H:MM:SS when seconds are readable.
**12:39**
